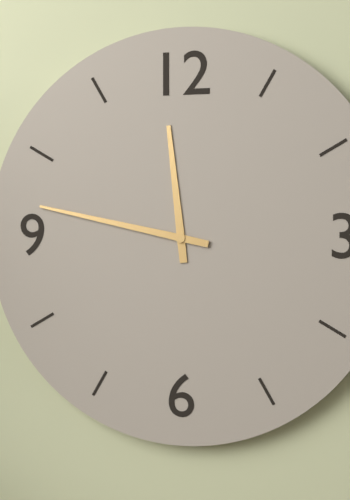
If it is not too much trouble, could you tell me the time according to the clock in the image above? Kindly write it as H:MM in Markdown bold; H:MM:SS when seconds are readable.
**11:47**
